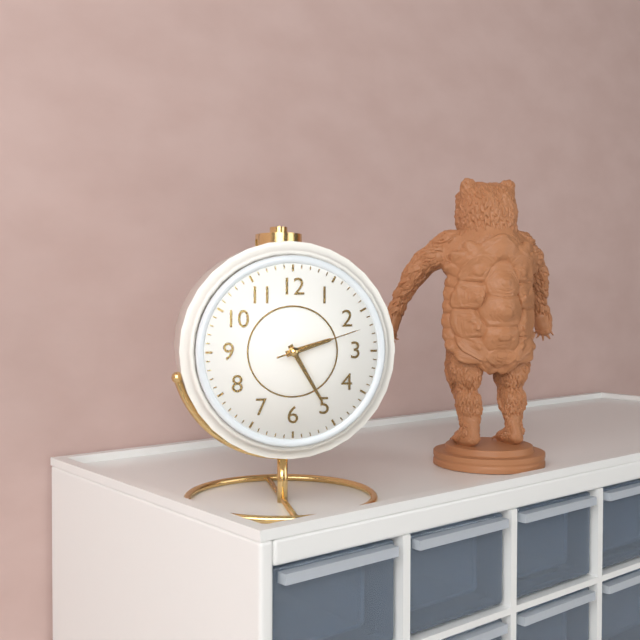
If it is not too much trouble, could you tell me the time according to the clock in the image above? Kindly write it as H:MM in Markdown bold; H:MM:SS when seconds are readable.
**2:25:12**
